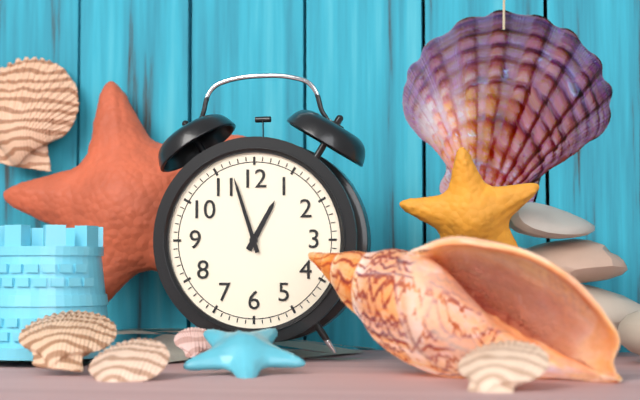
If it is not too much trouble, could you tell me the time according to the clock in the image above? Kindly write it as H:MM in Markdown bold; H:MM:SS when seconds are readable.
**12:57**
